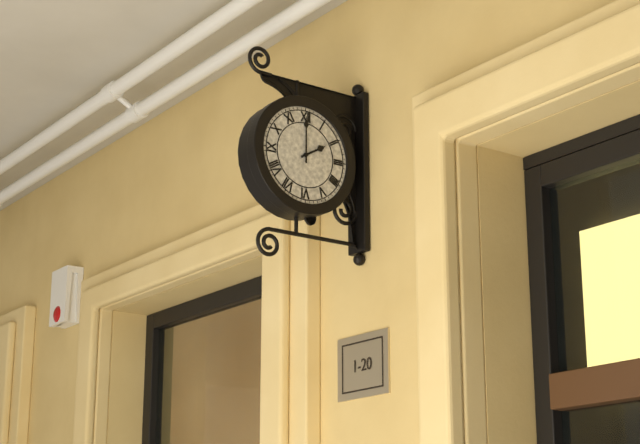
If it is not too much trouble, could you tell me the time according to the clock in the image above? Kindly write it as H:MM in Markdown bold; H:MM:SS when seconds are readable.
**2:00**
